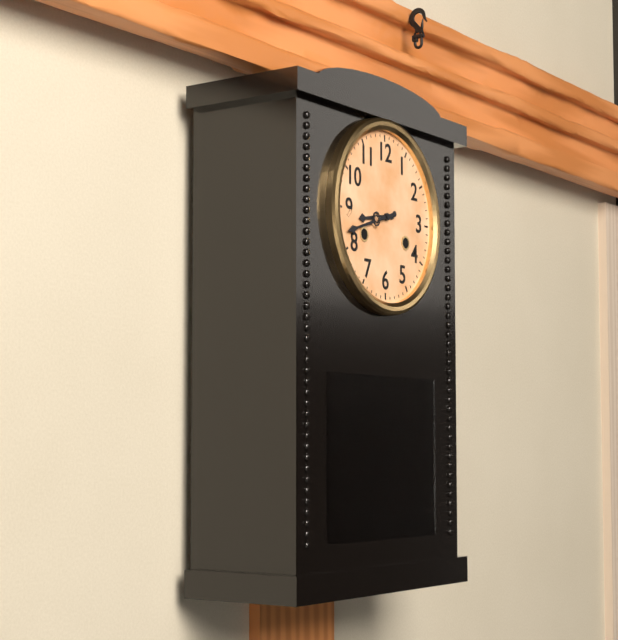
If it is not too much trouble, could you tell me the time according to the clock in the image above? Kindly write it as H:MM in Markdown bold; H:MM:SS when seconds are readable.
**8:42**
